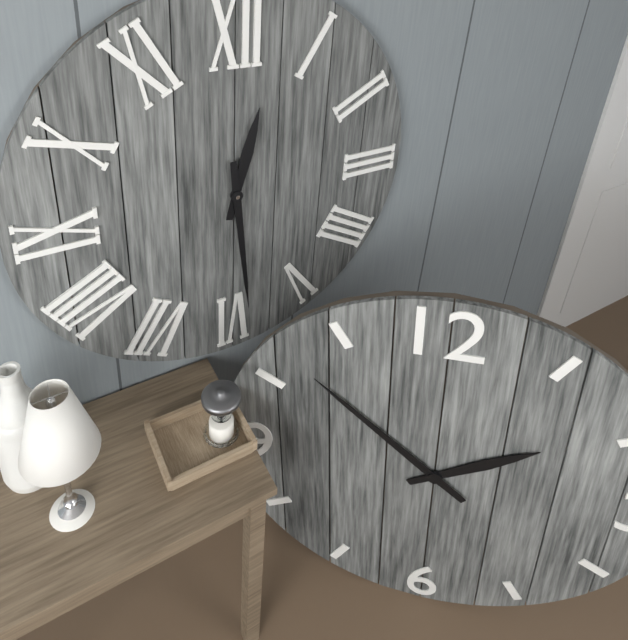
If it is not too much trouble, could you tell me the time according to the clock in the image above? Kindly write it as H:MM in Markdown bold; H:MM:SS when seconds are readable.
**12:29**
